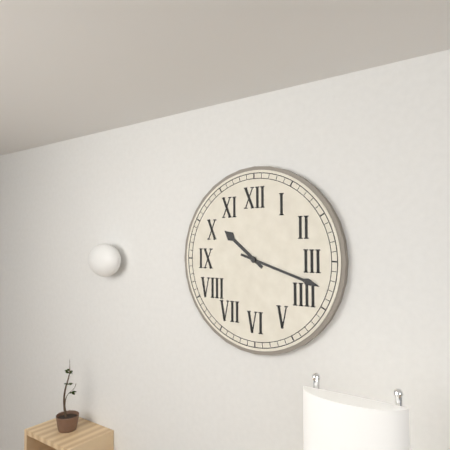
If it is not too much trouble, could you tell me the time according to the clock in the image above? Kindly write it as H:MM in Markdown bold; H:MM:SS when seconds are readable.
**10:18**
